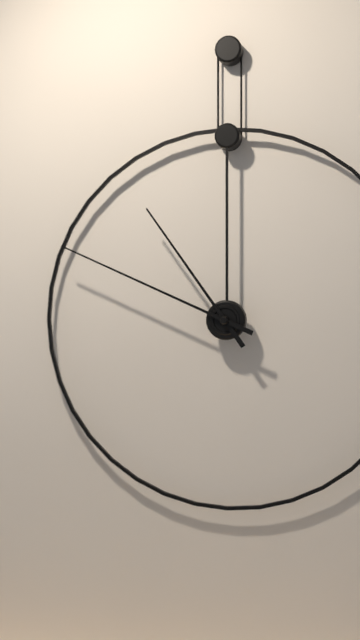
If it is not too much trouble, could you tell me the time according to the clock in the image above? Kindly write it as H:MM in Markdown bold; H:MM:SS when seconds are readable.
**10:49**
